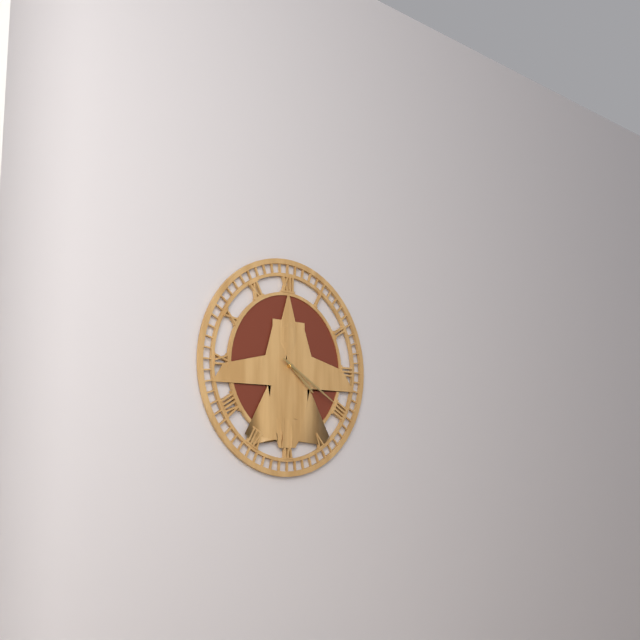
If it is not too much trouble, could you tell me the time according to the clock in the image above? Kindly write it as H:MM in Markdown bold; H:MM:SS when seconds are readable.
**4:20**
